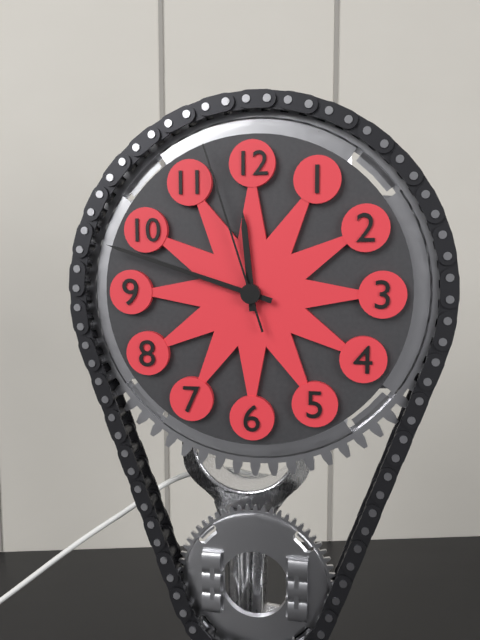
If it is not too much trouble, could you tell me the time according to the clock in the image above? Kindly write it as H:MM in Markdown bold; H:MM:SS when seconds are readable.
**11:48:57**
